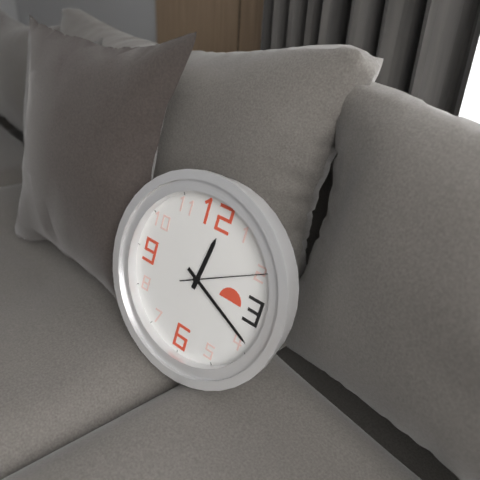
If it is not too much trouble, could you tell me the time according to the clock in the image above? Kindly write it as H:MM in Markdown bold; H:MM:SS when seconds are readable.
**12:19:10**
